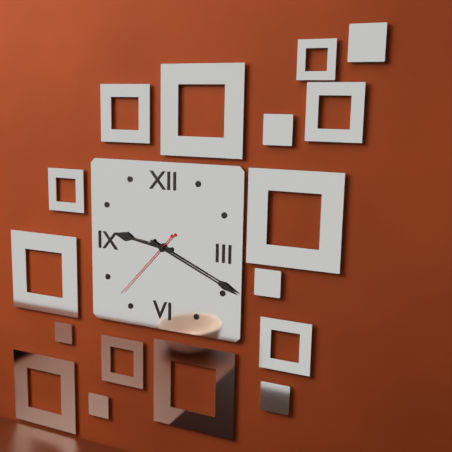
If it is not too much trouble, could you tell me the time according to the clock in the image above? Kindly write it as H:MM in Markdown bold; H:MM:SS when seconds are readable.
**9:19:37**
